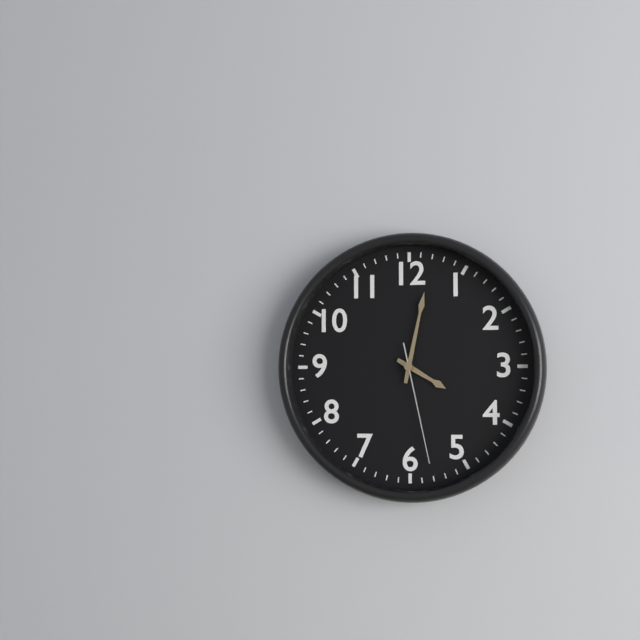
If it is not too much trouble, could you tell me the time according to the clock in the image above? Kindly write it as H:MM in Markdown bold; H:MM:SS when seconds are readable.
**4:02:28**
